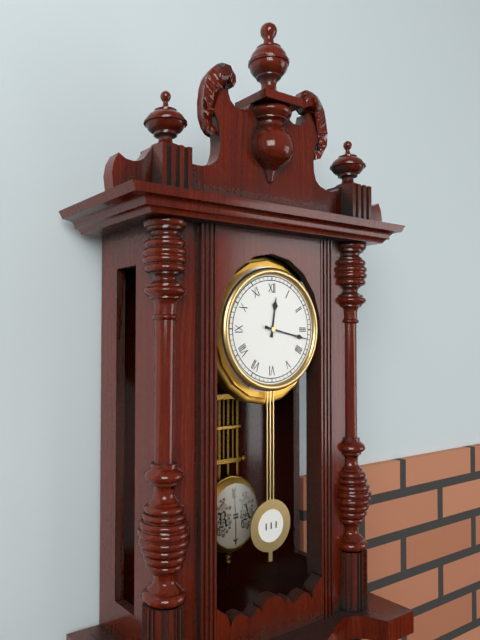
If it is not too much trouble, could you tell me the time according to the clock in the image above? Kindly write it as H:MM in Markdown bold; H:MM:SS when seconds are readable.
**12:17**
